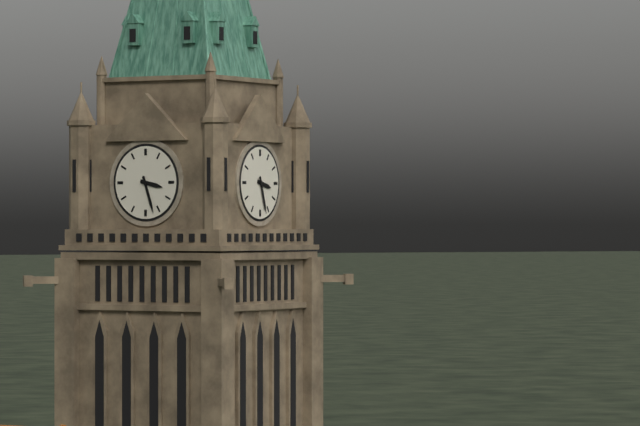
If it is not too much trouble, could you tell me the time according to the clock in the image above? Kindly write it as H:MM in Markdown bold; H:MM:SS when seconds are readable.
**3:27**
